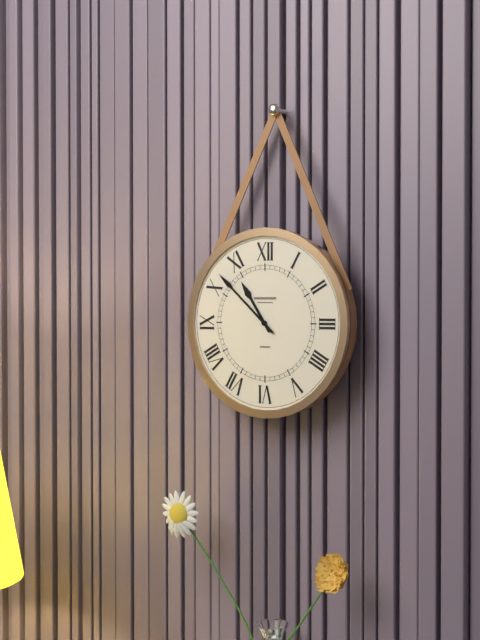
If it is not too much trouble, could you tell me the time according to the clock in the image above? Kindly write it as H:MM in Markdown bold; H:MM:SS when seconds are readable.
**10:52**
